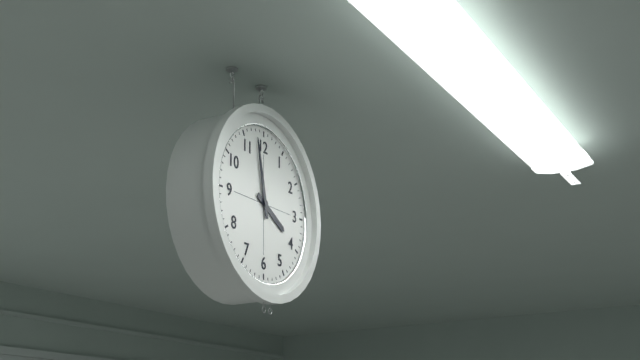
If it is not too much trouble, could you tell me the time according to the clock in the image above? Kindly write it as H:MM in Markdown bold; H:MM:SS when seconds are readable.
**3:58**
